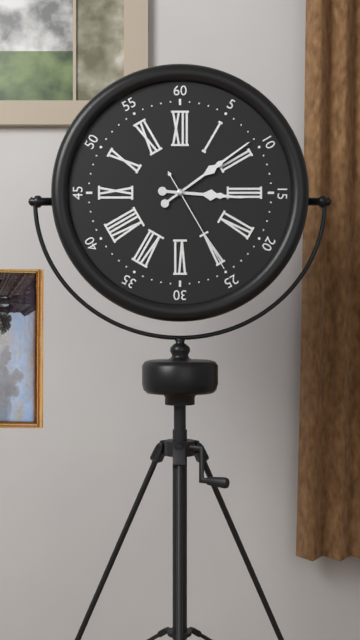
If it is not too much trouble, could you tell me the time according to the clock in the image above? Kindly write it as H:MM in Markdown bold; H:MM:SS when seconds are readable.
**3:09:25**
